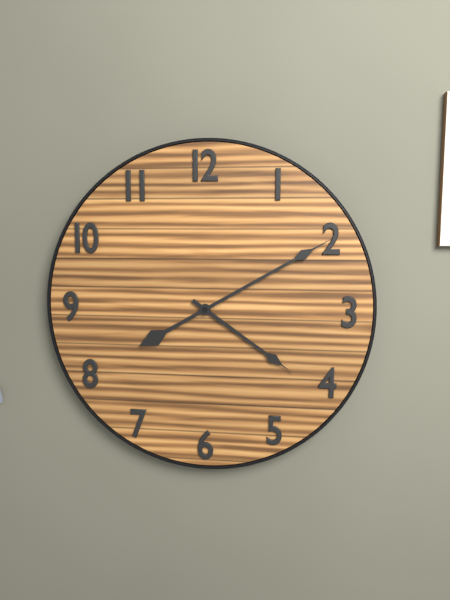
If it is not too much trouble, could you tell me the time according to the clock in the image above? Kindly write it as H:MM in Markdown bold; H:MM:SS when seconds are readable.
**4:10**
